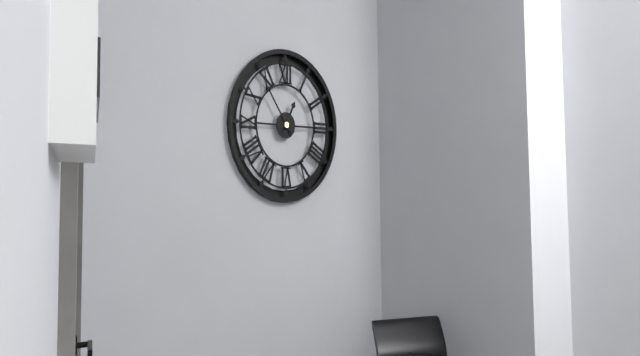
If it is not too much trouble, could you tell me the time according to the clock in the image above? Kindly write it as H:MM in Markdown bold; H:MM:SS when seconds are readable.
**12:54**
